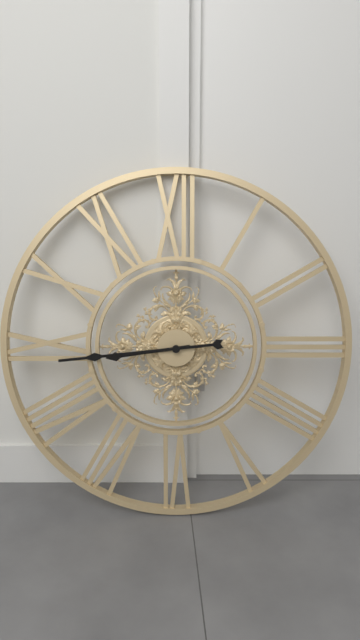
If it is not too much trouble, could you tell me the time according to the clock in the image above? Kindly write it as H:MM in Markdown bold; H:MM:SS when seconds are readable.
**8:44**
